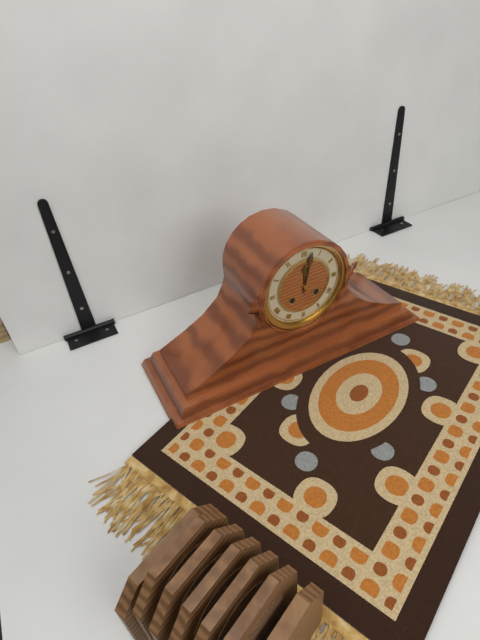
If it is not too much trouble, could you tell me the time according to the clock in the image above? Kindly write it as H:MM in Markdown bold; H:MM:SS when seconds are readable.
**12:02**
